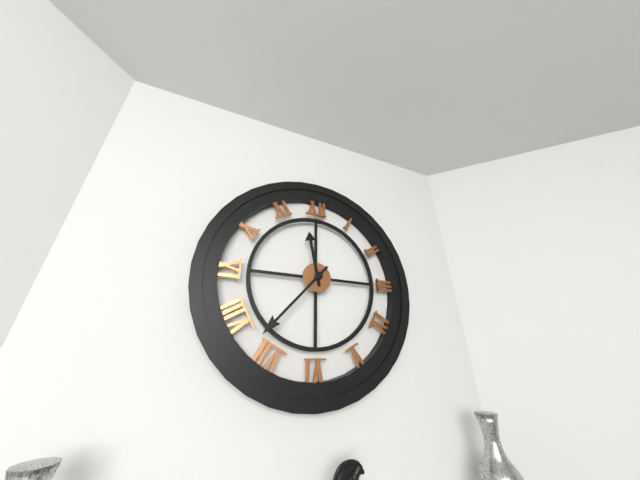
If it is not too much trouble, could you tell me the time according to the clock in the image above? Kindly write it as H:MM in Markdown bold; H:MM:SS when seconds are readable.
**11:37**
